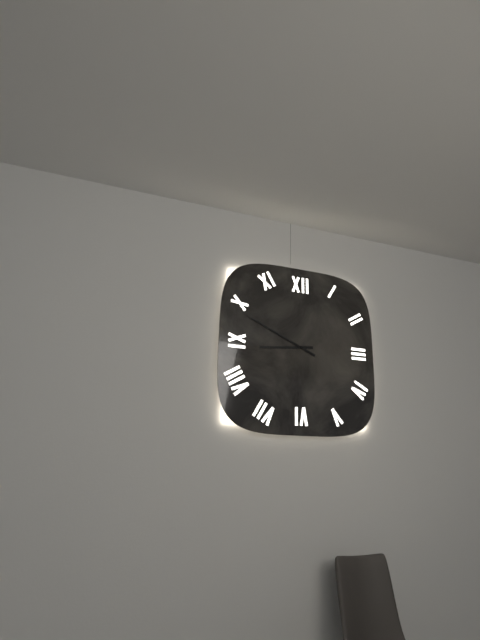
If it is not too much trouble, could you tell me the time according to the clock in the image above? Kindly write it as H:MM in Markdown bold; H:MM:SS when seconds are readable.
**8:49**
